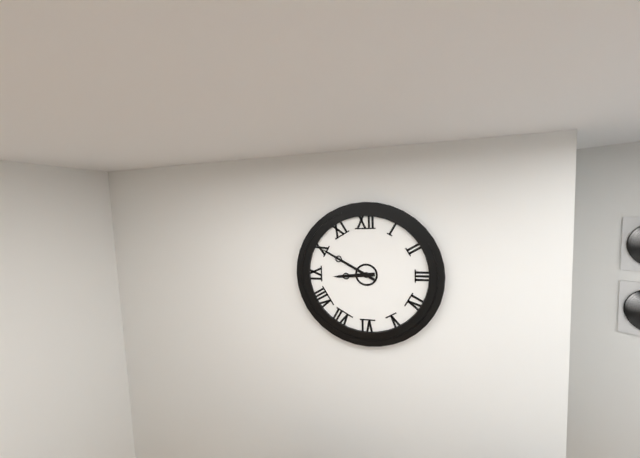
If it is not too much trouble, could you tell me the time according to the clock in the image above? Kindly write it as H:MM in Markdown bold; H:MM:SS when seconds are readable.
**8:50**
